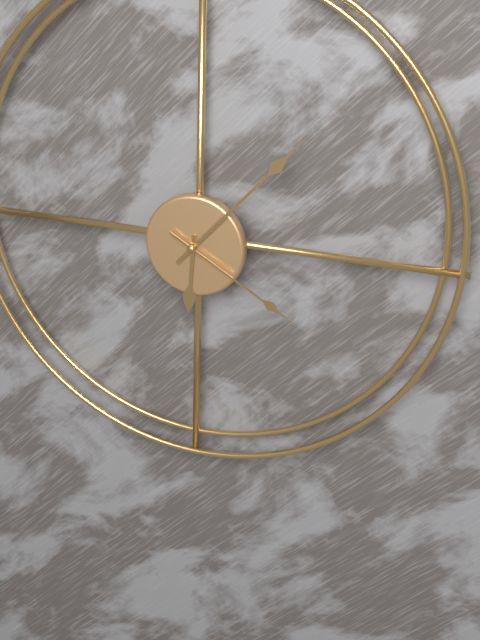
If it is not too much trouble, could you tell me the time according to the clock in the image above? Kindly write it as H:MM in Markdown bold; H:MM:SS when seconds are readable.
**6:07:20**
